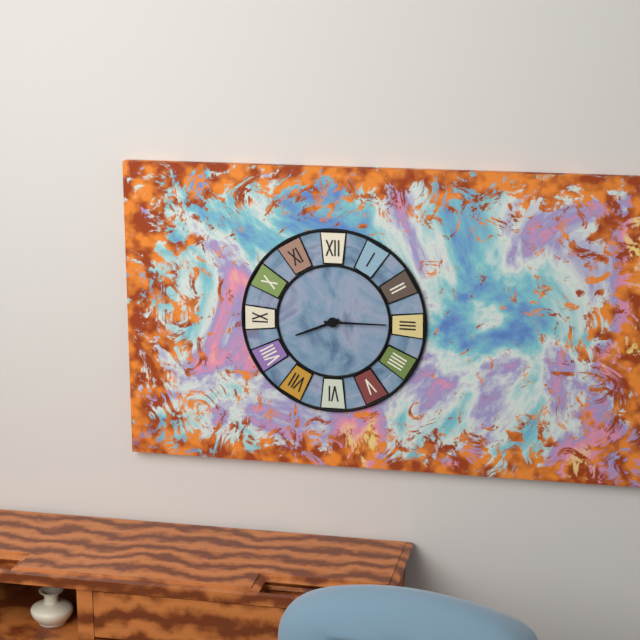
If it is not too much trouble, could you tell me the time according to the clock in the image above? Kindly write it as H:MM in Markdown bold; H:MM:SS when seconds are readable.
**8:15**
